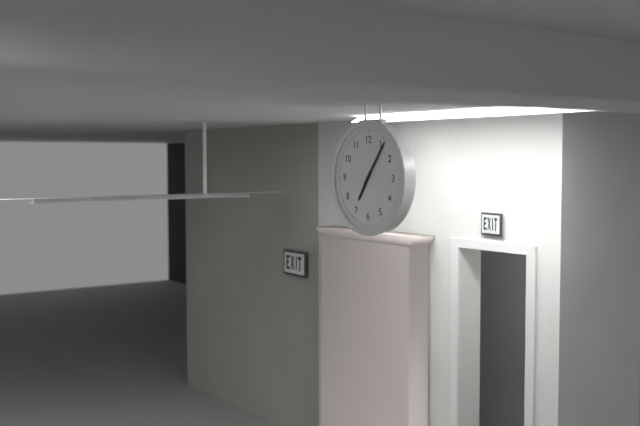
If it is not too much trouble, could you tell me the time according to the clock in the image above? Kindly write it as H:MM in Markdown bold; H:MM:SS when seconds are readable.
**7:06**
